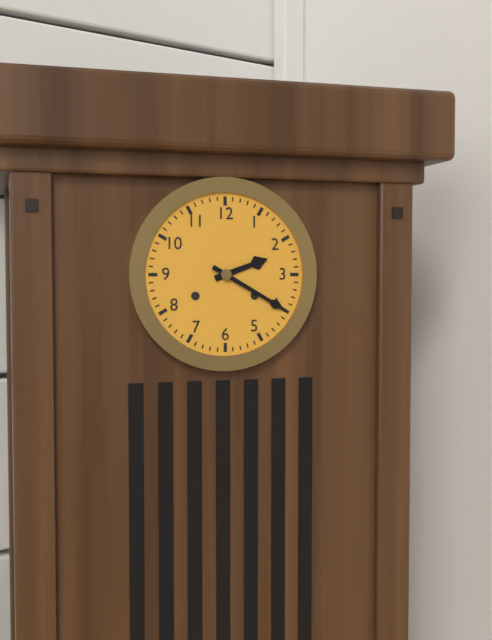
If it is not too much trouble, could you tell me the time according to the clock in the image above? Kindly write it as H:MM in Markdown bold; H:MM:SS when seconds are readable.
**2:20**
